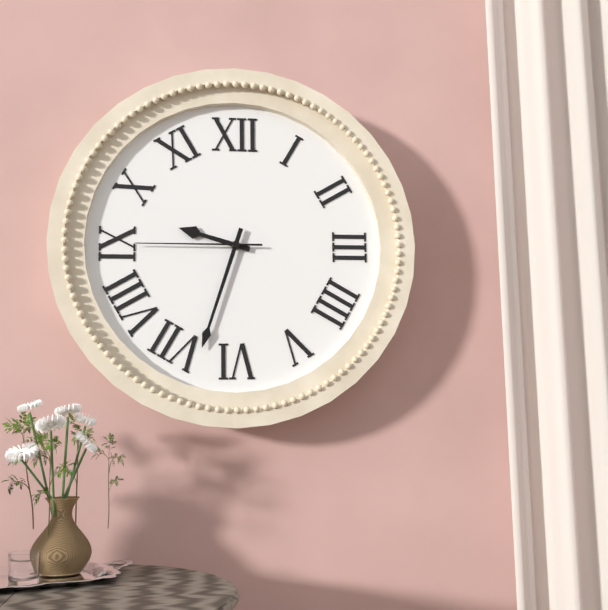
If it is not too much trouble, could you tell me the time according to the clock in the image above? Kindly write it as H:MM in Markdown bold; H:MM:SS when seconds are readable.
**9:33:45**
